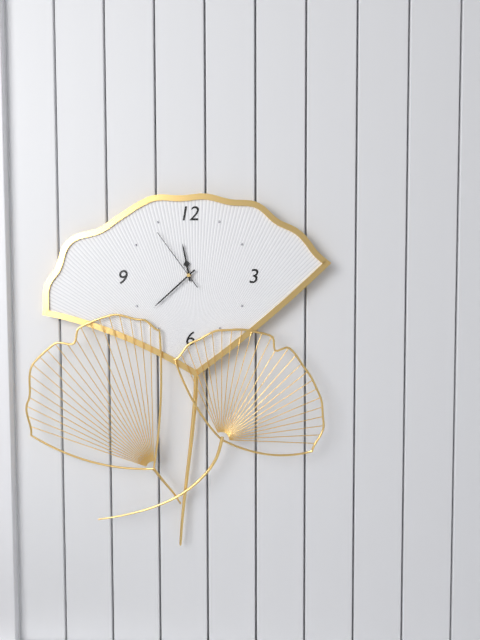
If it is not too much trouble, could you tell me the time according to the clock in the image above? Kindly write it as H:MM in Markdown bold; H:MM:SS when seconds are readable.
**11:38:54**
